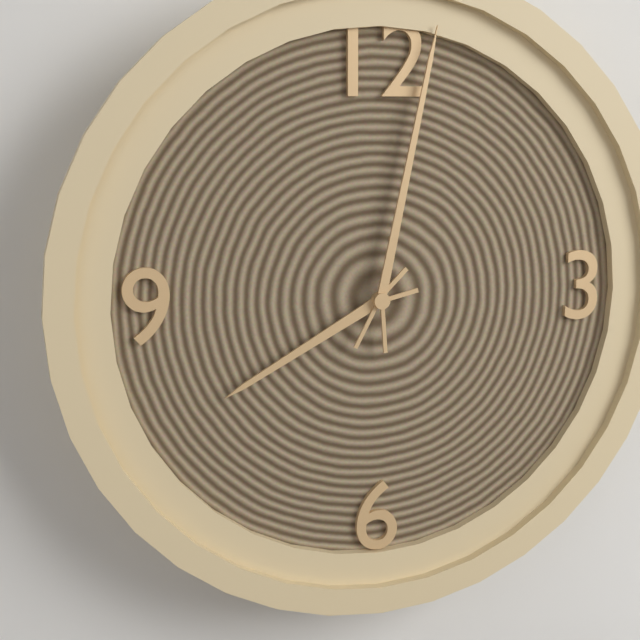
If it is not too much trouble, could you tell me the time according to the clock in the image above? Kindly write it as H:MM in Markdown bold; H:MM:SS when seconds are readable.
**8:02**
